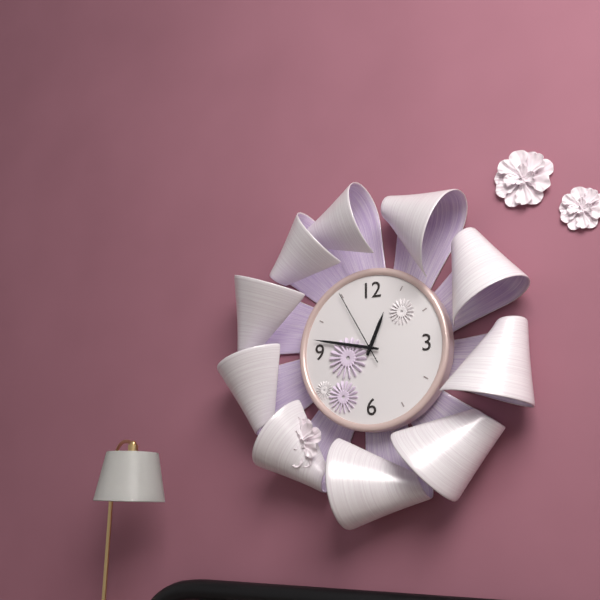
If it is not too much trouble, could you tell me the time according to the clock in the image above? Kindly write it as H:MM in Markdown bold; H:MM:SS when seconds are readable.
**12:47:55**
